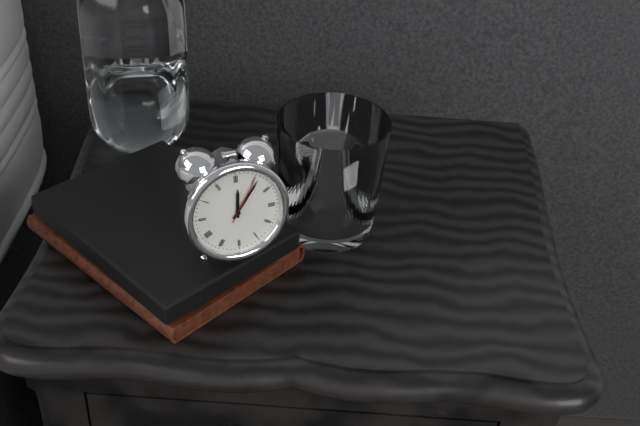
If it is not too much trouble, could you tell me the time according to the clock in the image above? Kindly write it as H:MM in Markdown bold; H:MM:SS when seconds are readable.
**12:06**
